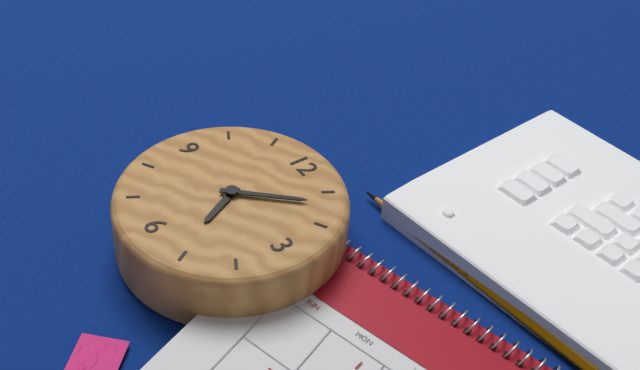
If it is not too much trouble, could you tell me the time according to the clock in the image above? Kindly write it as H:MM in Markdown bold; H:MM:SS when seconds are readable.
**5:07**
